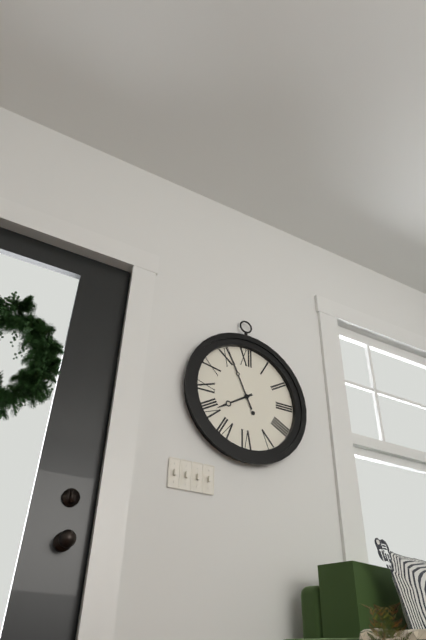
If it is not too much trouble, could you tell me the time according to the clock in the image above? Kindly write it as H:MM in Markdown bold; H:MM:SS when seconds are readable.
**7:56**
